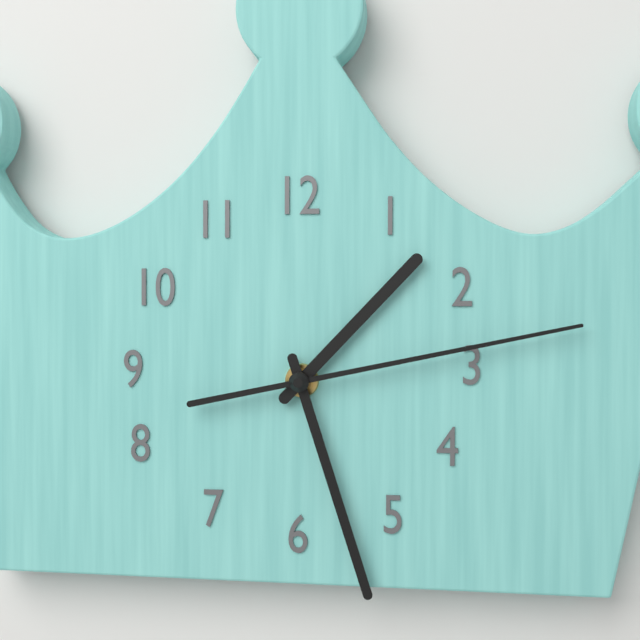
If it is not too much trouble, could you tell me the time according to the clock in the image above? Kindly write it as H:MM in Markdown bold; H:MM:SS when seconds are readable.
**1:27:13**
